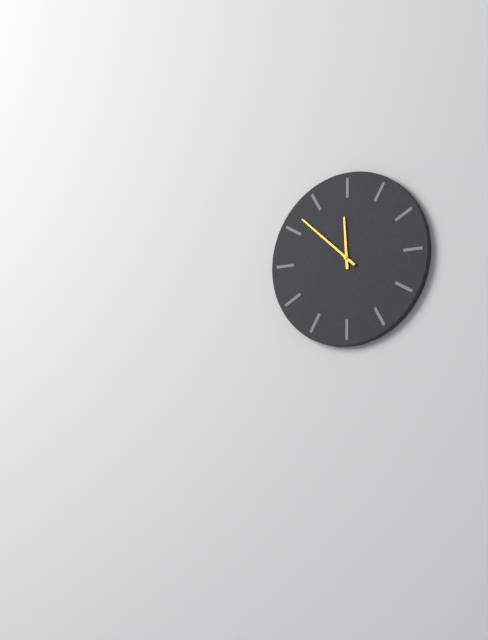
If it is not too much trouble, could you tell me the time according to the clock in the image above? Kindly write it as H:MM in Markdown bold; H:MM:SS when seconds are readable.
**11:52**
